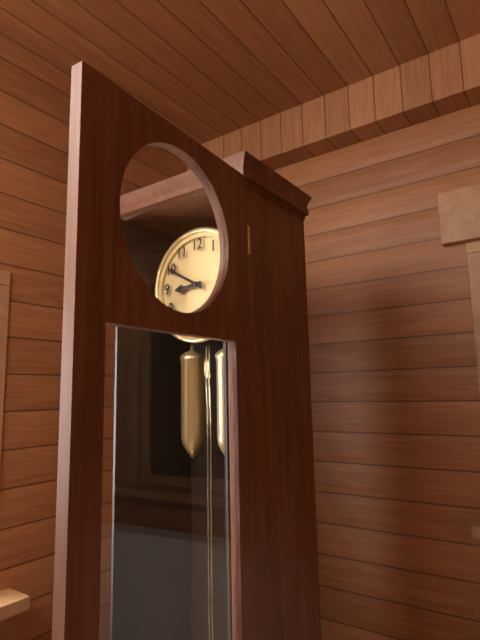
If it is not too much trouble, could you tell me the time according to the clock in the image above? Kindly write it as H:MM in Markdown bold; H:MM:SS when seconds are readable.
**8:50**
